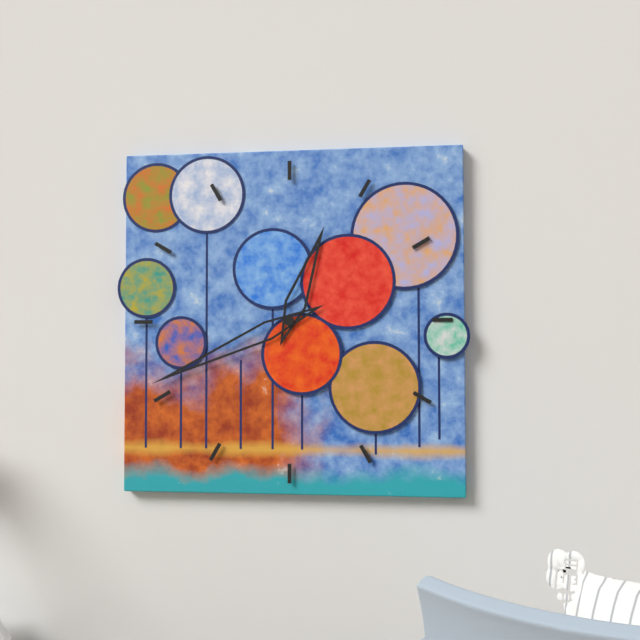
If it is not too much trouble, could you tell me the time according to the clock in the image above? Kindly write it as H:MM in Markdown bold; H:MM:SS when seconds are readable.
**12:41**
